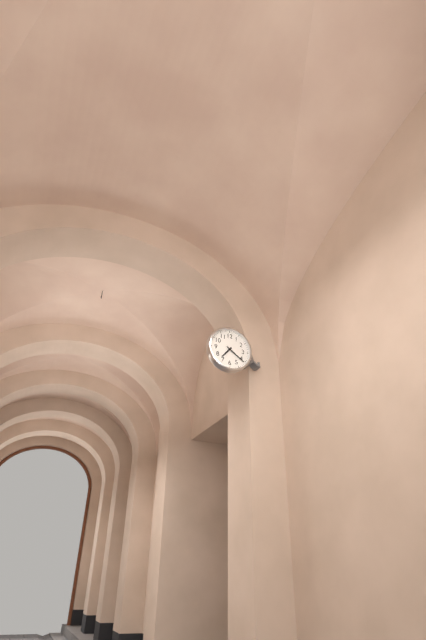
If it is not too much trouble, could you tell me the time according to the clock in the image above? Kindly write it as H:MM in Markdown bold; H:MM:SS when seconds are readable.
**7:21**
